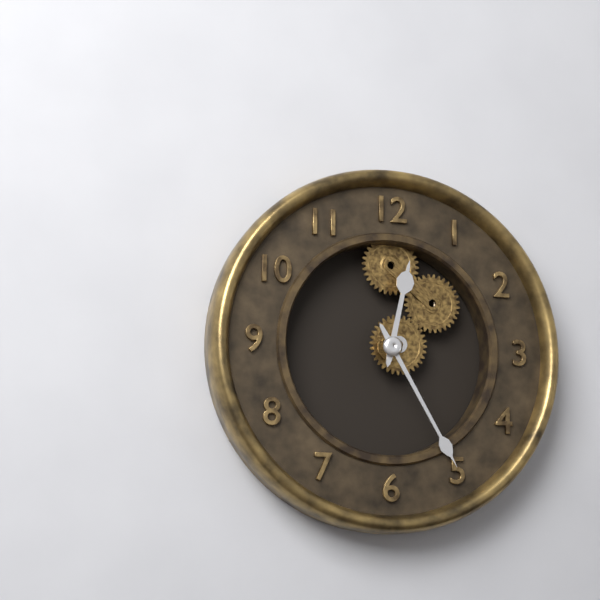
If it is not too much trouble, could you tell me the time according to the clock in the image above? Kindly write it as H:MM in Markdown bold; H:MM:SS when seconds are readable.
**12:25**
